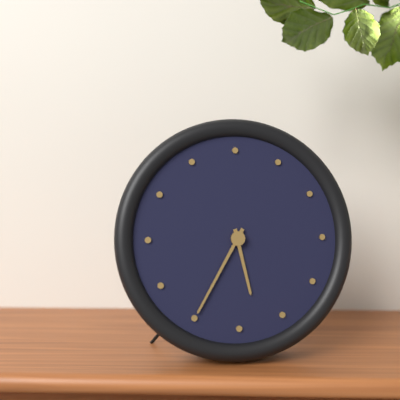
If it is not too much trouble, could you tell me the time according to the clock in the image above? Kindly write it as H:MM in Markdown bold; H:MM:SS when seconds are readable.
**5:35**
